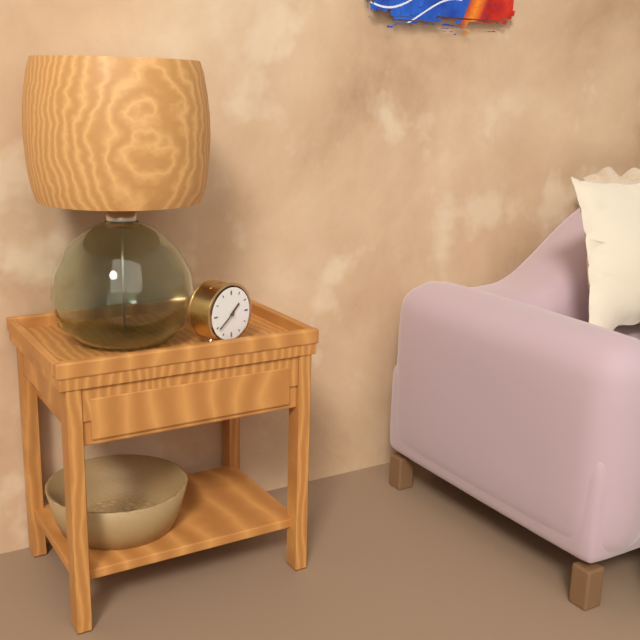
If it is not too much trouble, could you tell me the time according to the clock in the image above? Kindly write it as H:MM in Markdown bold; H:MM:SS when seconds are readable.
**1:39**
